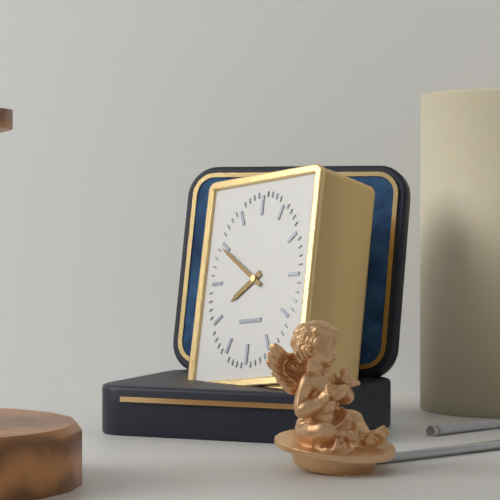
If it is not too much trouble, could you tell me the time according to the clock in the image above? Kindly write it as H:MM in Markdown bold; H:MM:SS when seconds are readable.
**7:51**
